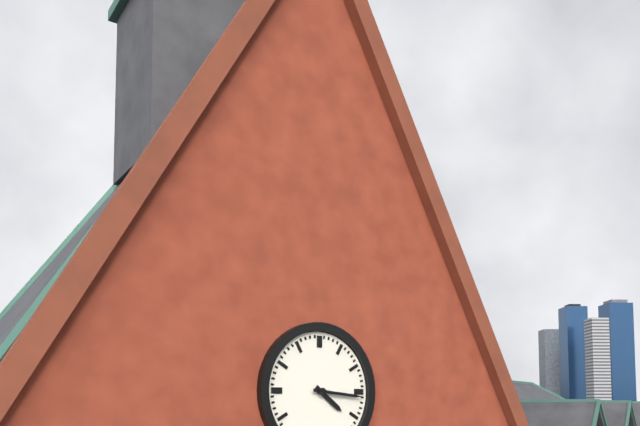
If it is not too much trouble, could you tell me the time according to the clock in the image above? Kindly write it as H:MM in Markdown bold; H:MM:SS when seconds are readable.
**4:16**
